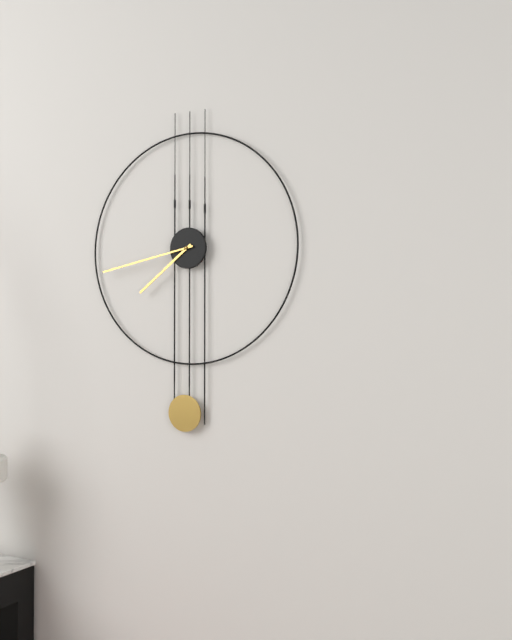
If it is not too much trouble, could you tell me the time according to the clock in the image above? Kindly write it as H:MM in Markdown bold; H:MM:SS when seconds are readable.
**7:43**
